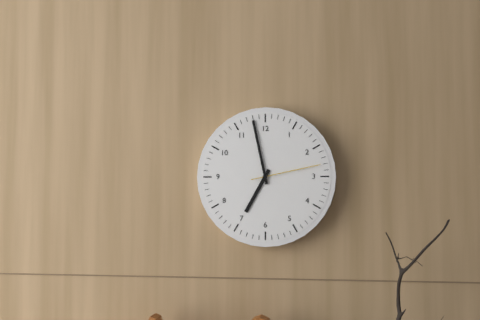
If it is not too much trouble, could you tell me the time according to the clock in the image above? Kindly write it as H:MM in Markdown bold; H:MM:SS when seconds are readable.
**6:58:13**
